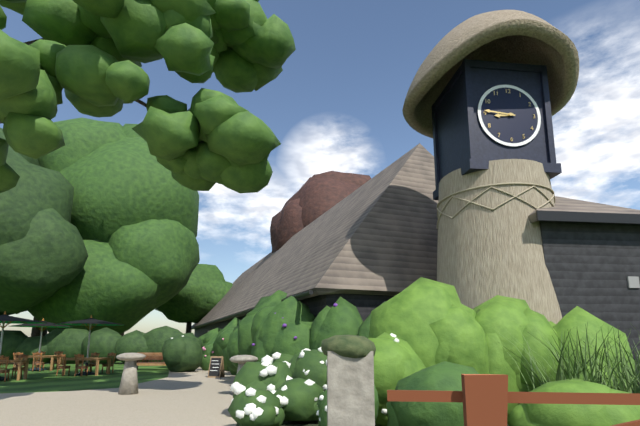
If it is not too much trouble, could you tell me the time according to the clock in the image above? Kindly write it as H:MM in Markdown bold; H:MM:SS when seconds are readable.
**8:46**
